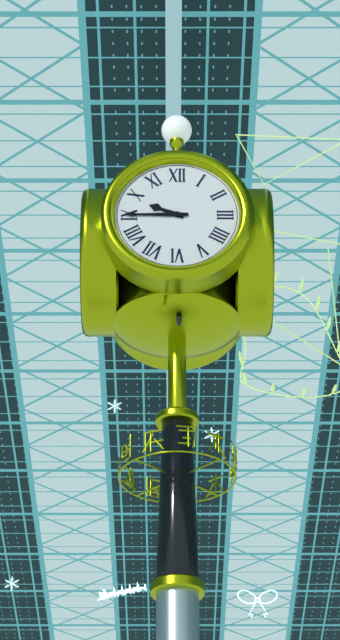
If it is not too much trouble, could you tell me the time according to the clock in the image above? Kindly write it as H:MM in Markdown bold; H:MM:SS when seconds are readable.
**9:45**
